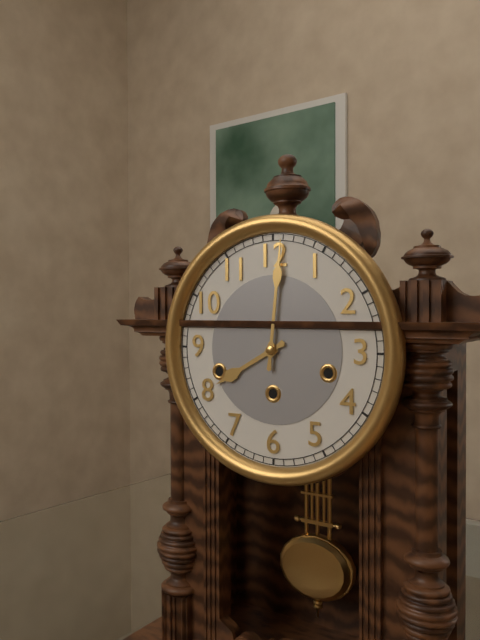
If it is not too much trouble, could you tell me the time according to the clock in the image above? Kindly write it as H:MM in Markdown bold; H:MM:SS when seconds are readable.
**8:01**
